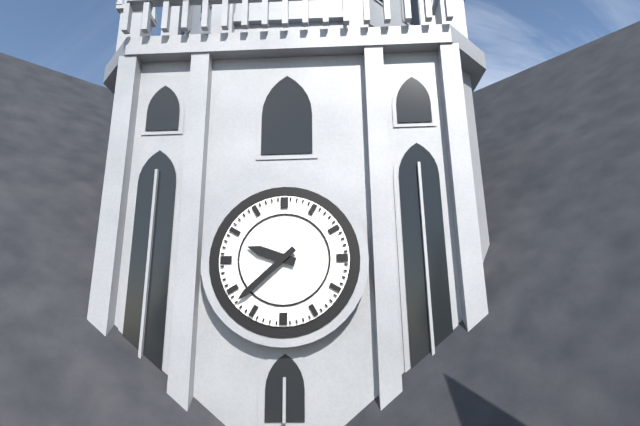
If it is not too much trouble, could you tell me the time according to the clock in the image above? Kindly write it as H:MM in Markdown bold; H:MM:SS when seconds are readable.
**9:38**
